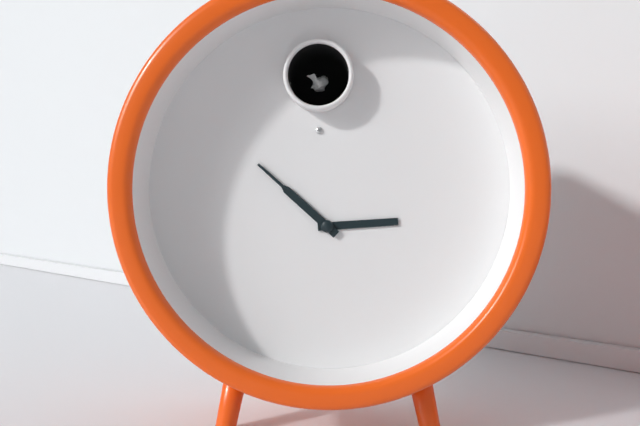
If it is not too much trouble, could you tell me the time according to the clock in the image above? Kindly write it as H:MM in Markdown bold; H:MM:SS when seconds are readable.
**2:52**
